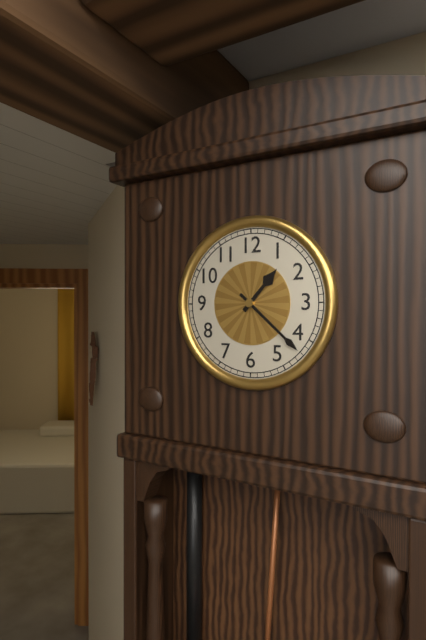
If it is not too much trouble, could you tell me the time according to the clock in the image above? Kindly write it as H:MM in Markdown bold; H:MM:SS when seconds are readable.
**1:22**
